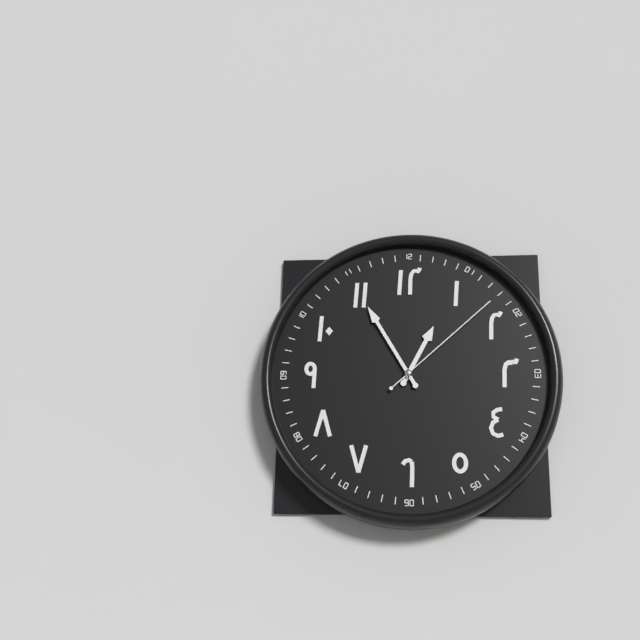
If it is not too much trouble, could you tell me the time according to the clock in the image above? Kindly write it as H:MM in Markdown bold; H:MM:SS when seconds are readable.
**12:55:08**
